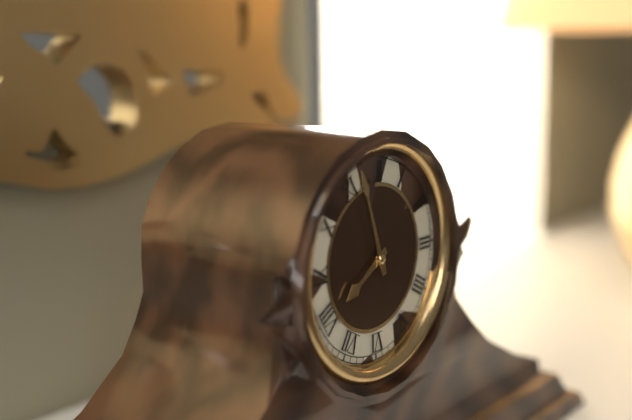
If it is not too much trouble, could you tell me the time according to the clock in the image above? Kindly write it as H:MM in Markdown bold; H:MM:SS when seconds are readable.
**7:57**
